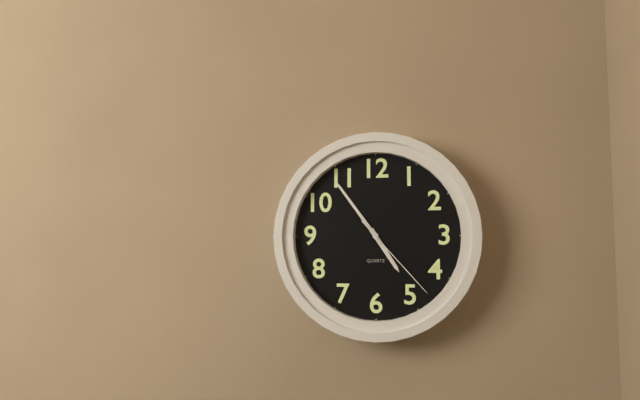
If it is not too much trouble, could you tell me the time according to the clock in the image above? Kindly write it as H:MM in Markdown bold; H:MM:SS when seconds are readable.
**4:54:23**
